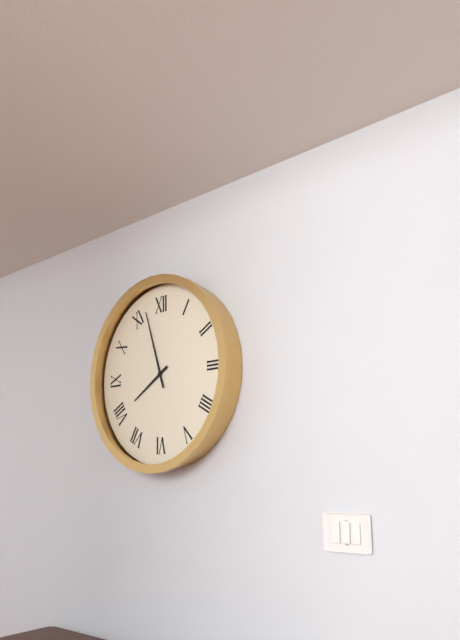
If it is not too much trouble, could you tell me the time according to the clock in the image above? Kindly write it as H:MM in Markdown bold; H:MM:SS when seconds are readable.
**7:57**
